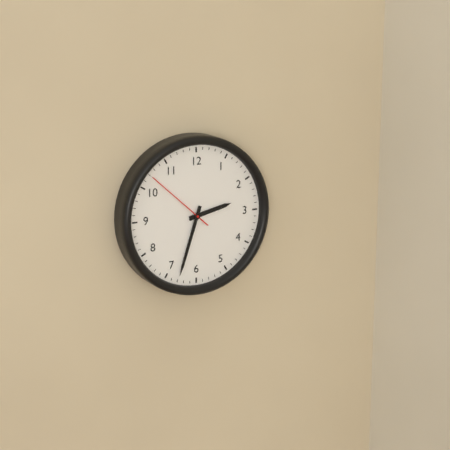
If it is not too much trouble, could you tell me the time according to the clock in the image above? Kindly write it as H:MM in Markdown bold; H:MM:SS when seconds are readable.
**2:33:52**
